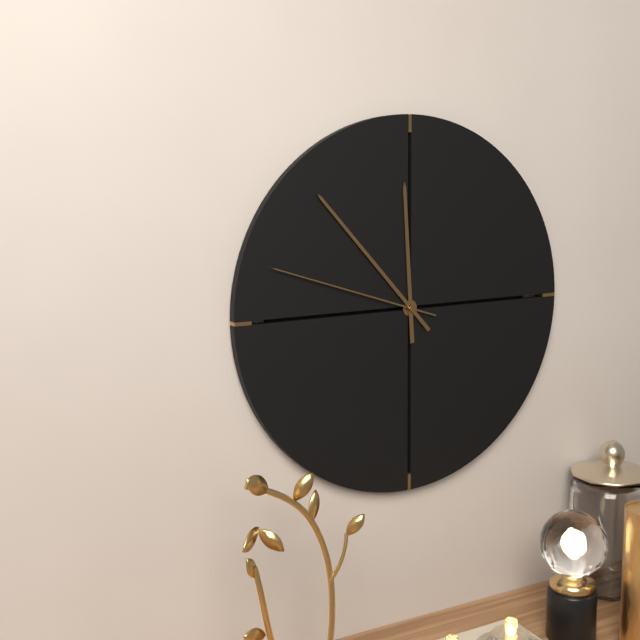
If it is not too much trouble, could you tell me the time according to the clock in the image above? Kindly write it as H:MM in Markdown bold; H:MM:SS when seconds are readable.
**11:53:48**
